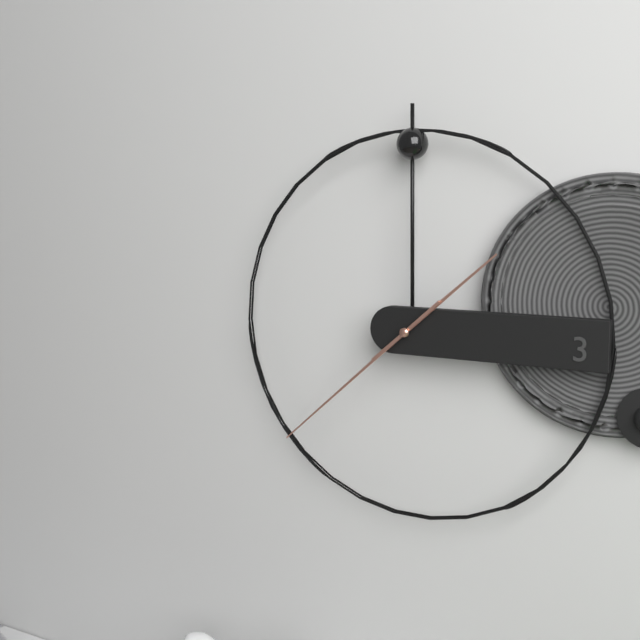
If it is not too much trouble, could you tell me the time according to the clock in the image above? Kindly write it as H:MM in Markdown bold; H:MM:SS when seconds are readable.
**1:38**
